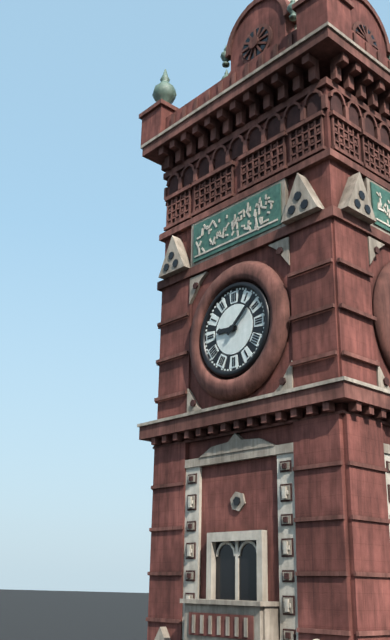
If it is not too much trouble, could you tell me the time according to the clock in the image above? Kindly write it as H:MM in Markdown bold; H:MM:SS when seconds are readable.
**9:08**
